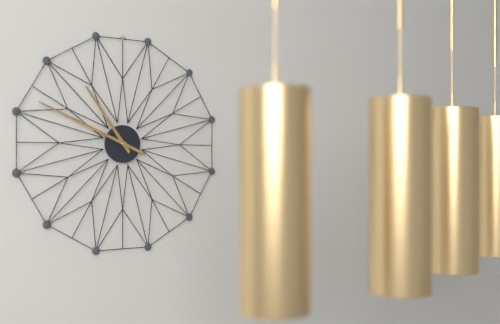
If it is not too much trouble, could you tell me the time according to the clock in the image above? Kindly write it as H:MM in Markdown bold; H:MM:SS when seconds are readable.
**10:49**
